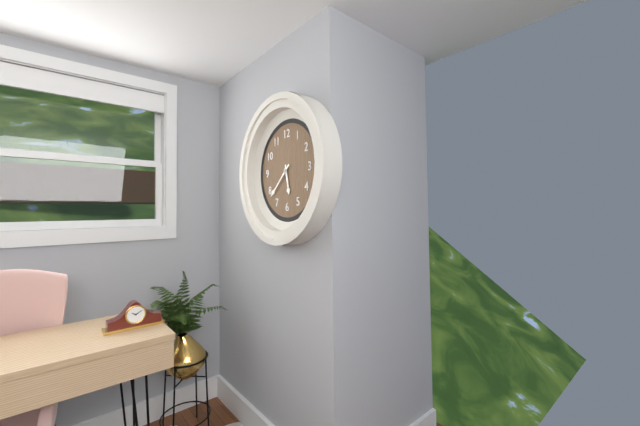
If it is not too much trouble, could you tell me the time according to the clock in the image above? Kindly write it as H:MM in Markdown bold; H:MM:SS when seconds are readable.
**5:38**
